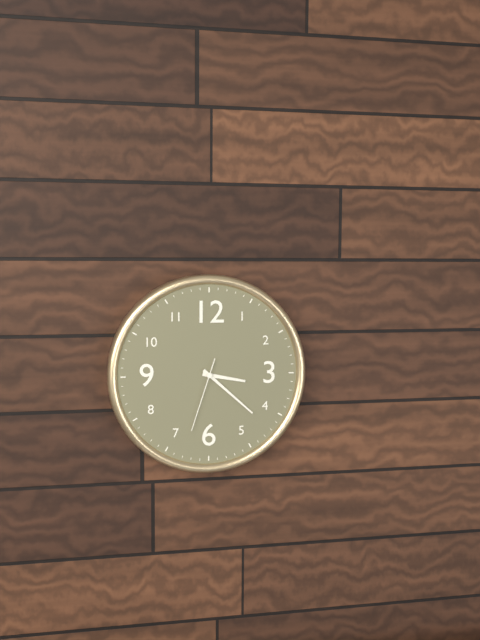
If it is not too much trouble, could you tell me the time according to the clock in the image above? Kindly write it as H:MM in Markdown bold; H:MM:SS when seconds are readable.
**3:22:33**
